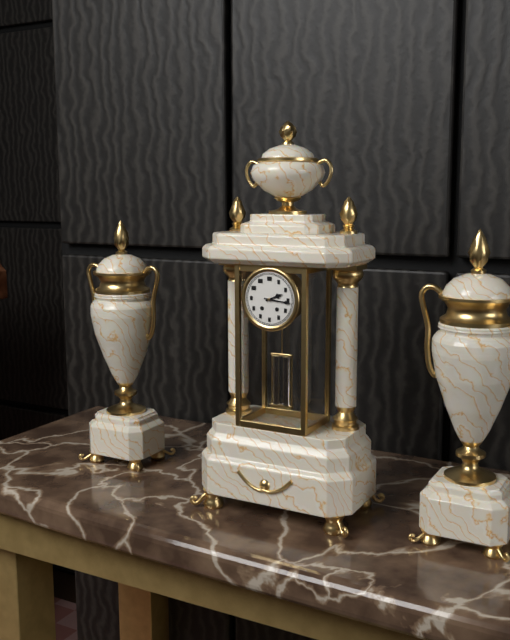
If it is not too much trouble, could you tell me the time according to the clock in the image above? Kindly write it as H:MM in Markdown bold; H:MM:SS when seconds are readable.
**2:16**
